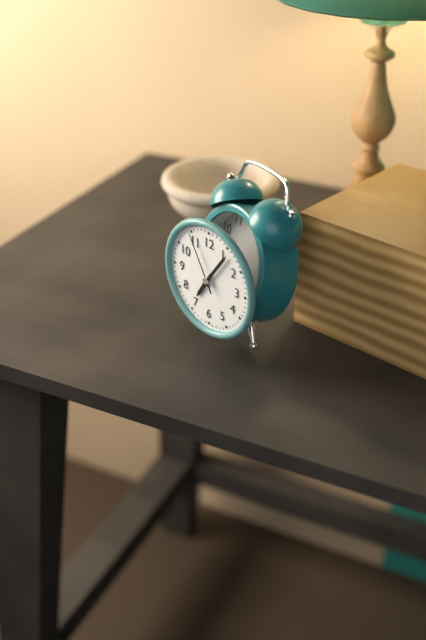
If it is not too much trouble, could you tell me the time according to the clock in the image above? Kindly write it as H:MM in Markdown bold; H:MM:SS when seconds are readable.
**7:06:55**
